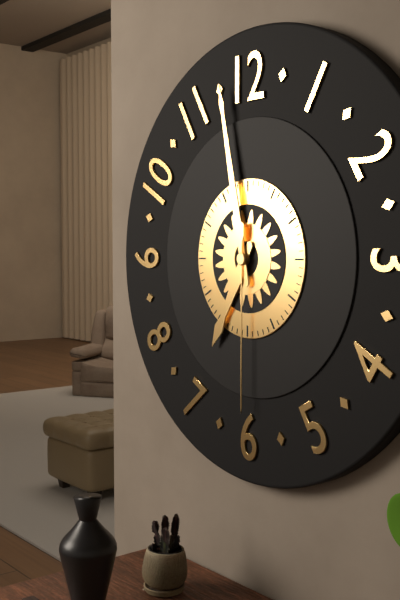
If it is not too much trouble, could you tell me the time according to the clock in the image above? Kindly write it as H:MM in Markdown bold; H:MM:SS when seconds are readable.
**6:58:30**
